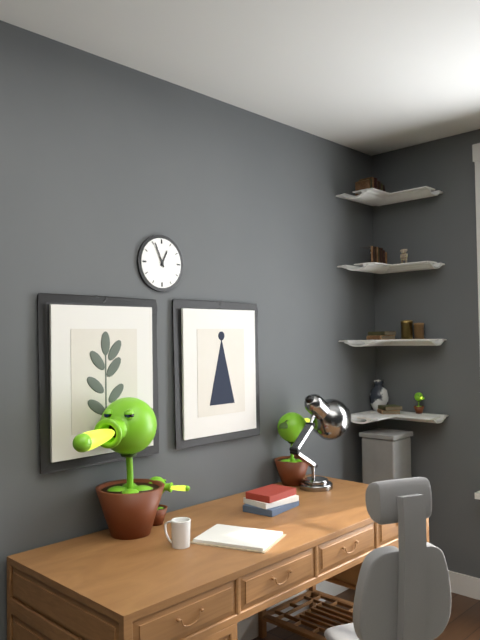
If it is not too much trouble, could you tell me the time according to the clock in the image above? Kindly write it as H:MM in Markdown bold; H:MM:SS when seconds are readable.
**12:56**
